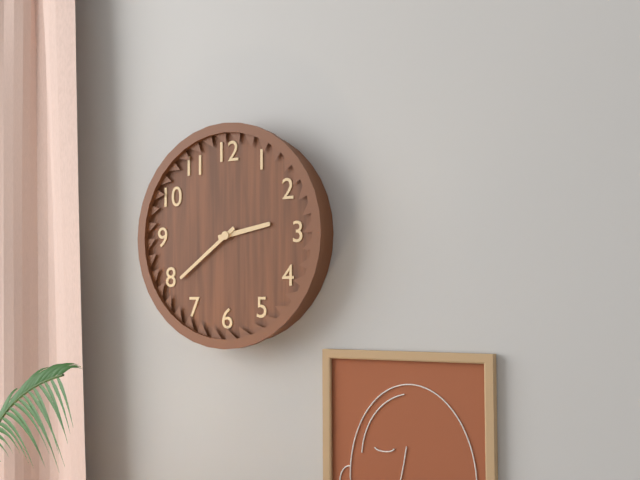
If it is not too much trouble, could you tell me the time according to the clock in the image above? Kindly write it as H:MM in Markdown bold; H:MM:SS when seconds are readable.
**2:39**
